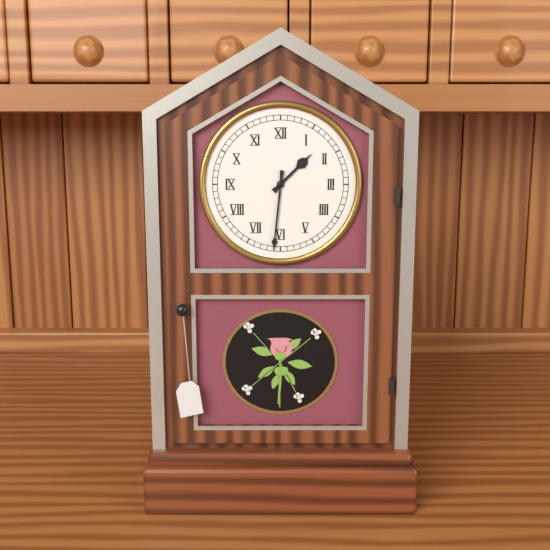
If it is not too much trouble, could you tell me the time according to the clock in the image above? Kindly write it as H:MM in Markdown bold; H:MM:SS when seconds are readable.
**1:31**
